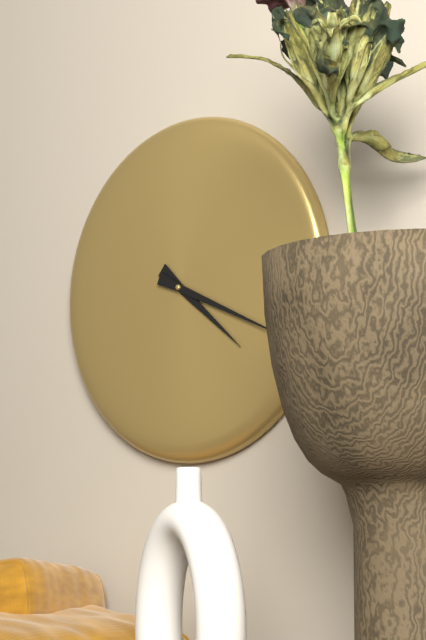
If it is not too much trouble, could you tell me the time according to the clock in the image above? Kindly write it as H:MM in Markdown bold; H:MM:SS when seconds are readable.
**4:19**
